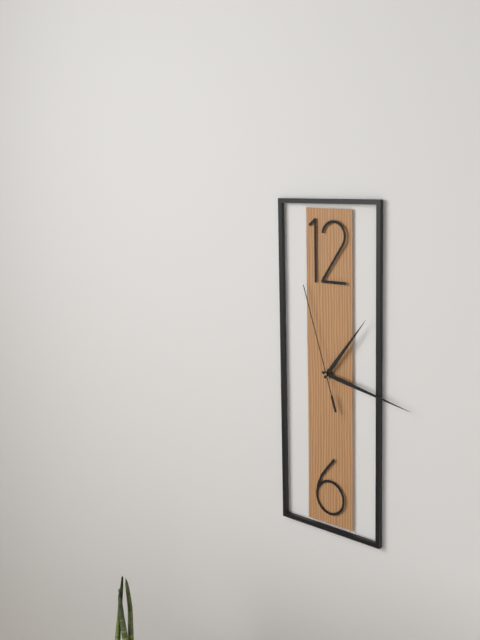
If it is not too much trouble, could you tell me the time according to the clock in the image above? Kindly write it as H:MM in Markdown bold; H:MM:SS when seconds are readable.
**1:17:57**
